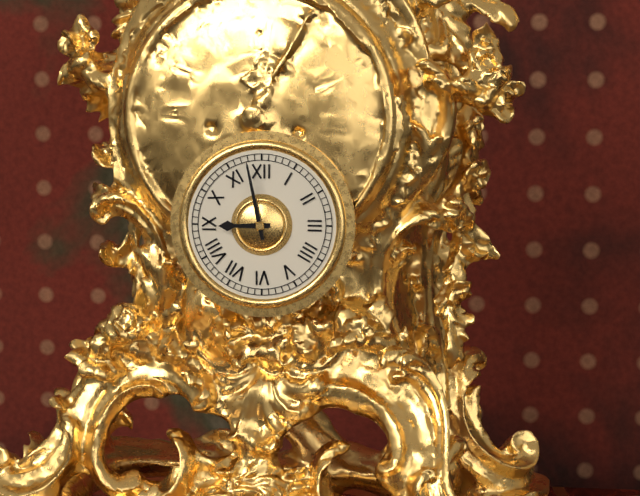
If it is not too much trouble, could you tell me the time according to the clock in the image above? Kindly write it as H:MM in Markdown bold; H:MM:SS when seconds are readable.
**8:58**
